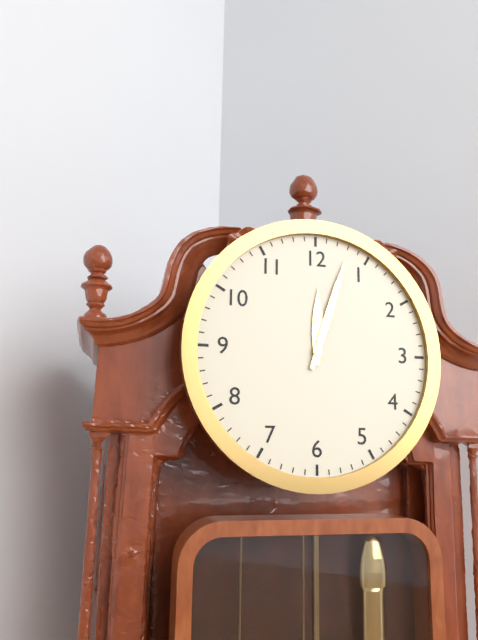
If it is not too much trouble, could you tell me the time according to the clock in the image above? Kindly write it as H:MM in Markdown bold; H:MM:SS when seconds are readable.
**12:03**
